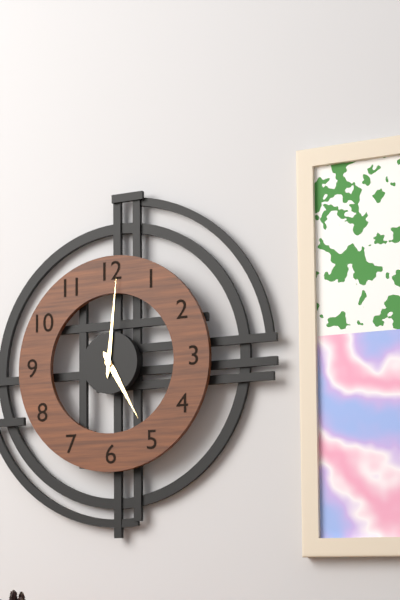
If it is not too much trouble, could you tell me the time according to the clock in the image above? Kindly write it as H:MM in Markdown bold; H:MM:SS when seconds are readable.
**5:01**
